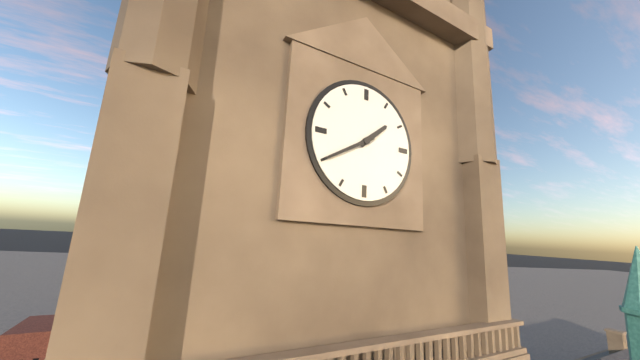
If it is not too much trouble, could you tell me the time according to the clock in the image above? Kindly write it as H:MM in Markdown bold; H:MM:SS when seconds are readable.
**1:40**
